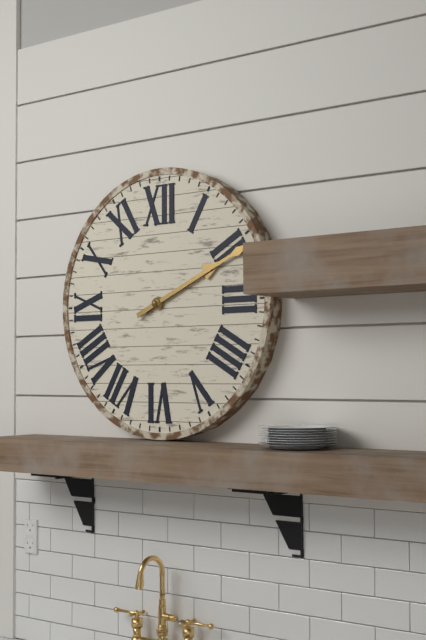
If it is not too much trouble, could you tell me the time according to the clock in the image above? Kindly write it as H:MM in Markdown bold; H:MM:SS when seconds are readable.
**2:11**
